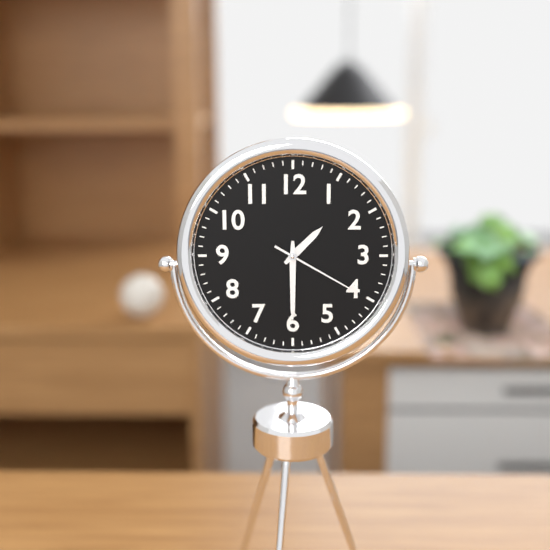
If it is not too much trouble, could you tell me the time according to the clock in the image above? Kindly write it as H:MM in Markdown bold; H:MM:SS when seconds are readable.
**1:30:20**
